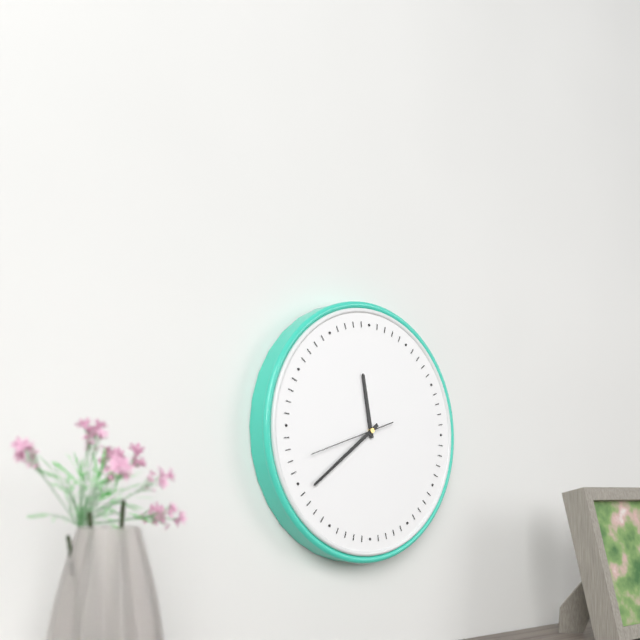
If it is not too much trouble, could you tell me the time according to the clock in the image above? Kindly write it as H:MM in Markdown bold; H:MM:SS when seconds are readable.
**11:39:42**
